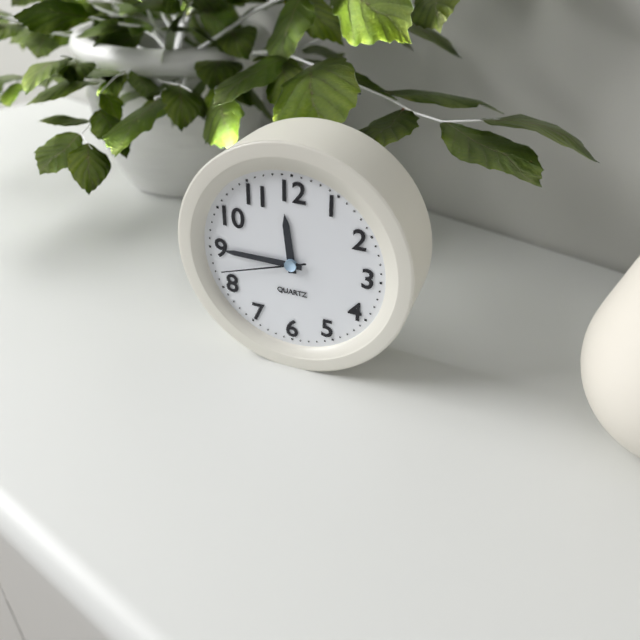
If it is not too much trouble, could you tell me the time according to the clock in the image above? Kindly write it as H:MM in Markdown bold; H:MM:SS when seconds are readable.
**11:45:42**
